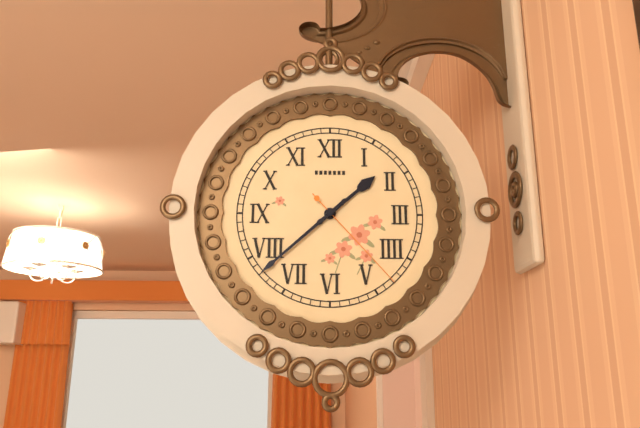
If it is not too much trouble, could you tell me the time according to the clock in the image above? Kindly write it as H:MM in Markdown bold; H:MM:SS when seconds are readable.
**1:38:23**
